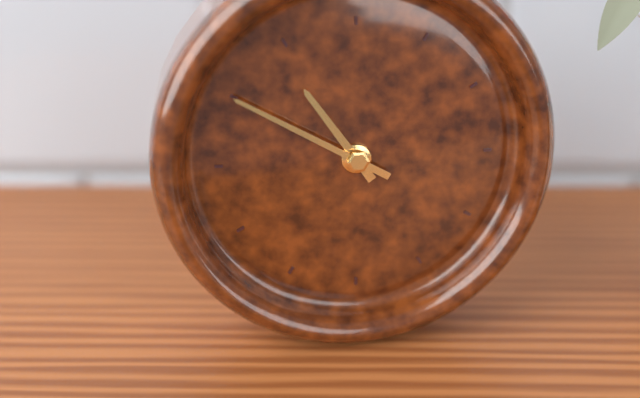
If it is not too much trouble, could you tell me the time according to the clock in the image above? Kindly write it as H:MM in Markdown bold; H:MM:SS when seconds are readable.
**10:50**
